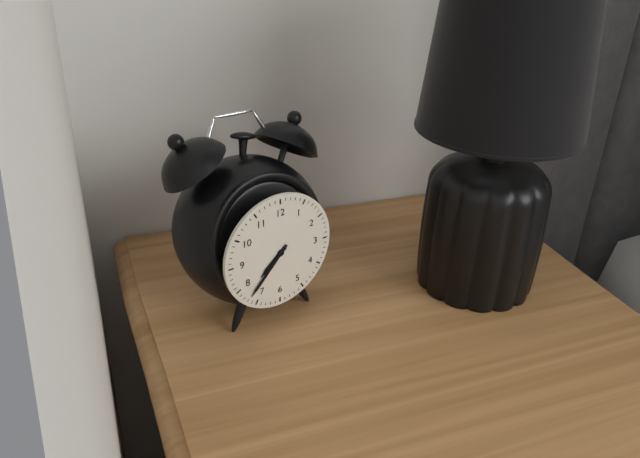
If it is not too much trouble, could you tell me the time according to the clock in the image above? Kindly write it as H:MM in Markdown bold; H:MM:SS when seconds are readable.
**7:37**
